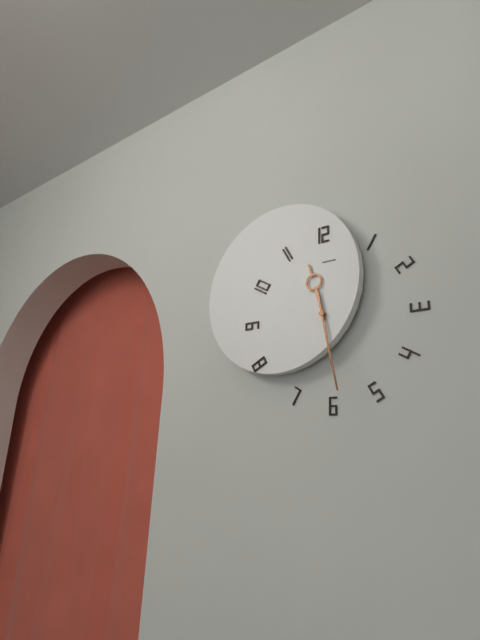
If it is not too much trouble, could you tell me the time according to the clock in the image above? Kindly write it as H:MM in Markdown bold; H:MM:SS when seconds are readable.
**11:28**
